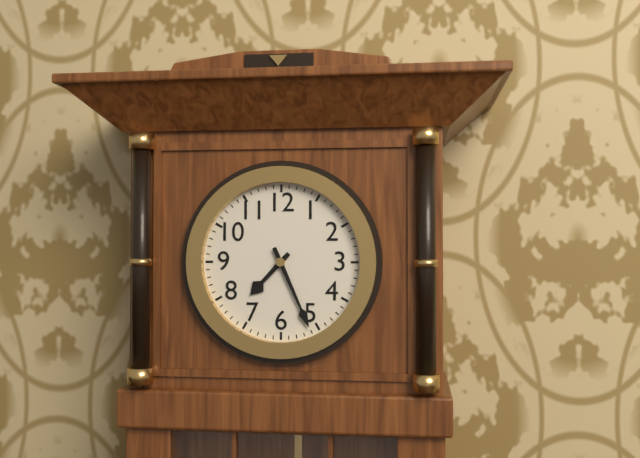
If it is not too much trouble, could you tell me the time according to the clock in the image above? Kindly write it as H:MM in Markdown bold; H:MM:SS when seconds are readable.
**7:26**
